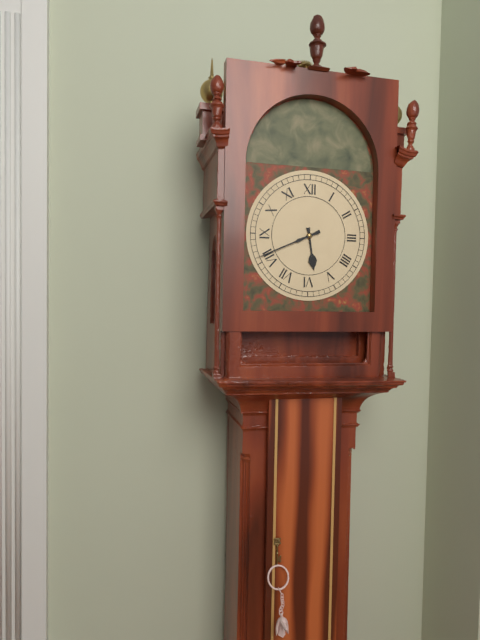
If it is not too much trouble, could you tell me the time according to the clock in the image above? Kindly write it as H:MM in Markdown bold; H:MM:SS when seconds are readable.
**5:41**
